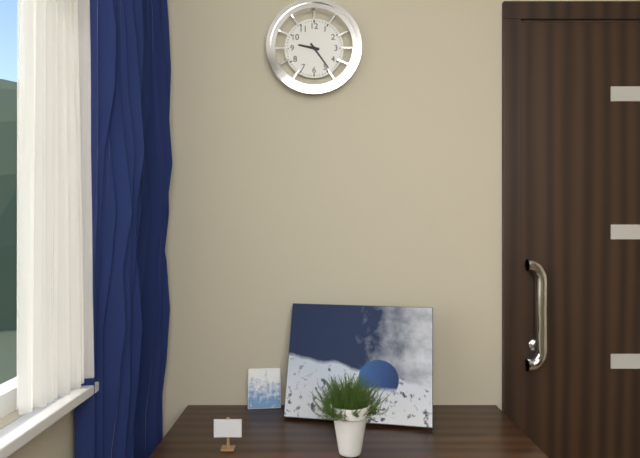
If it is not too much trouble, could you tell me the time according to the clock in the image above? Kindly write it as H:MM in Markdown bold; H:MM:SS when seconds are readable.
**9:24**
